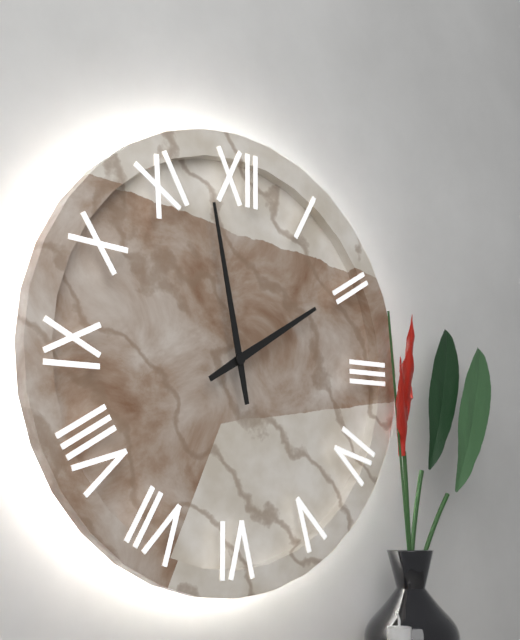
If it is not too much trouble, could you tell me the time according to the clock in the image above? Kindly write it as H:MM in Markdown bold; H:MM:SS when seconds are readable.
**1:58**
